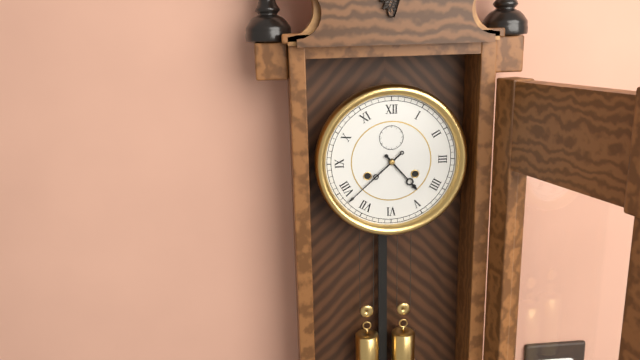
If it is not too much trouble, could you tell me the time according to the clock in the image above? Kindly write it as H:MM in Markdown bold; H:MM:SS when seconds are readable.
**4:38**
